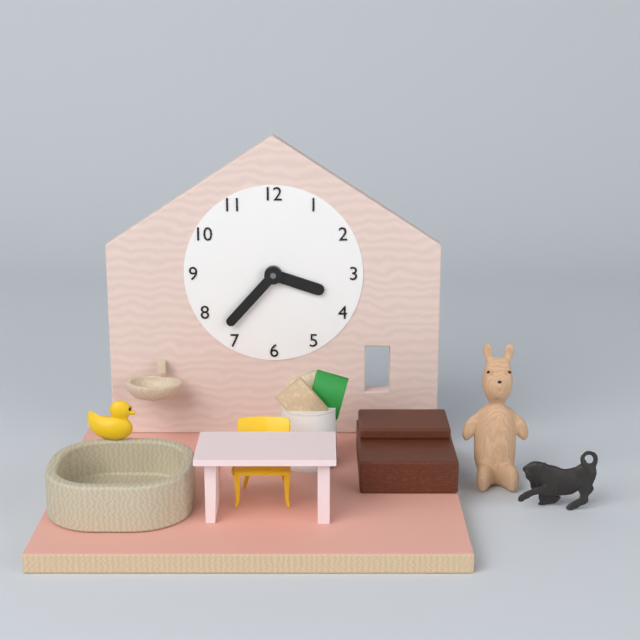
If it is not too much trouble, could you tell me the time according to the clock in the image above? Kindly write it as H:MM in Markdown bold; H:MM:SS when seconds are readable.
**3:37**
